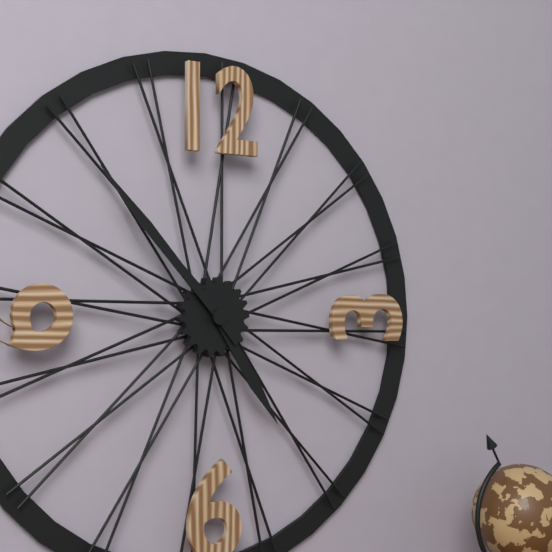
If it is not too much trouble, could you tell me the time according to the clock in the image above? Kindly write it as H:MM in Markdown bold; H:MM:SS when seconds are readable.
**4:53**
